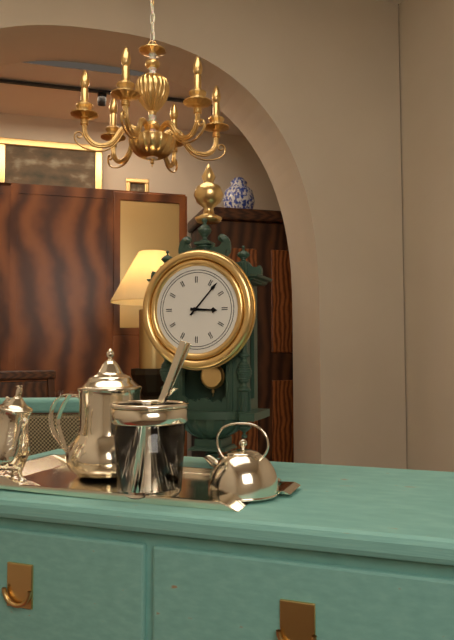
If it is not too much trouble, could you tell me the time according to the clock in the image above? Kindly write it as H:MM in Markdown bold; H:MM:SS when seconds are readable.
**3:07**
